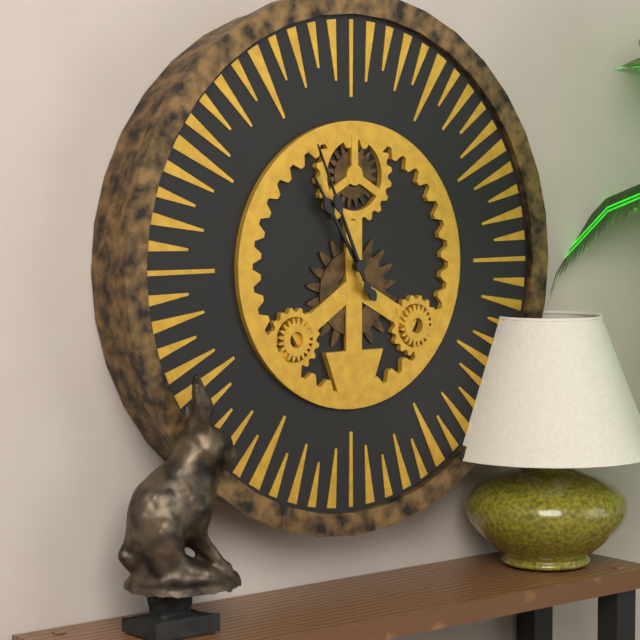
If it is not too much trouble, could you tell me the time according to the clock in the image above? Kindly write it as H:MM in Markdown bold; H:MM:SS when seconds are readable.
**10:56**
